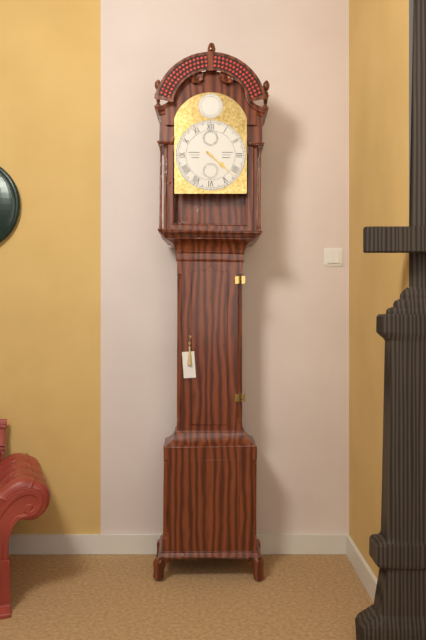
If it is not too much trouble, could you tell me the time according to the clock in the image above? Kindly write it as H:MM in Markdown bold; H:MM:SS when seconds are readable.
**4:22**
